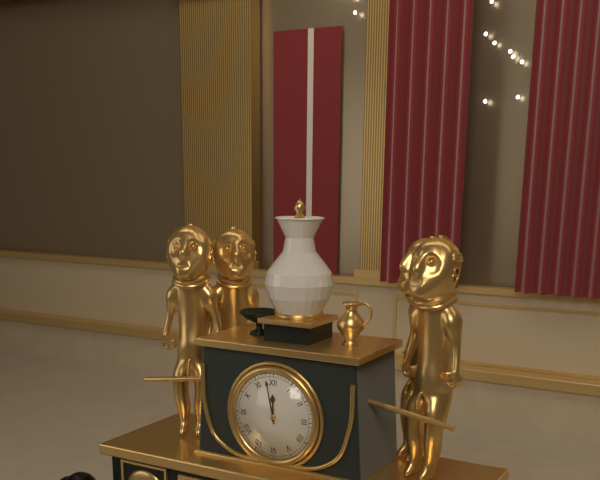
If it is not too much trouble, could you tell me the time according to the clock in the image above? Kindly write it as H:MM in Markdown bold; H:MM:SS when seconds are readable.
**11:58**
